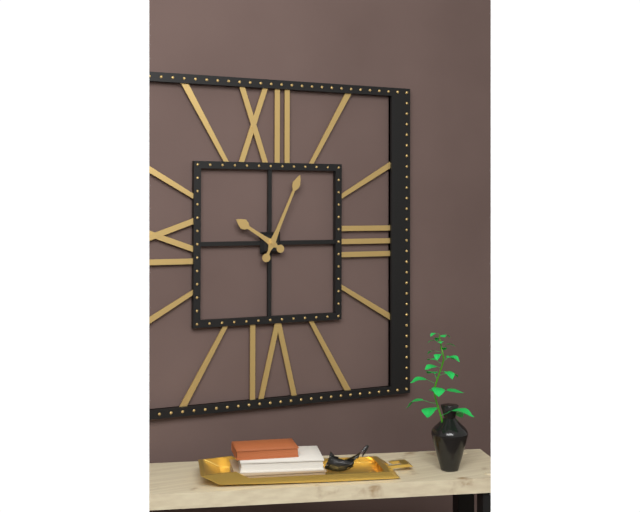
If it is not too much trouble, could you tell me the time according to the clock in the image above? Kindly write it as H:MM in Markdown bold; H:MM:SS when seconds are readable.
**10:04**
